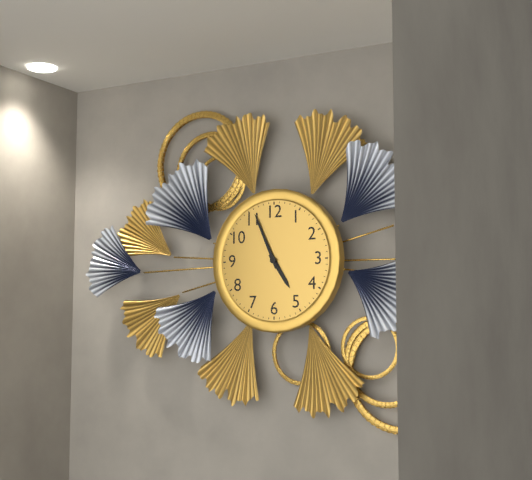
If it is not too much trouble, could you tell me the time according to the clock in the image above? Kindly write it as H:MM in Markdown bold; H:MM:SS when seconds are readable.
**4:56**
